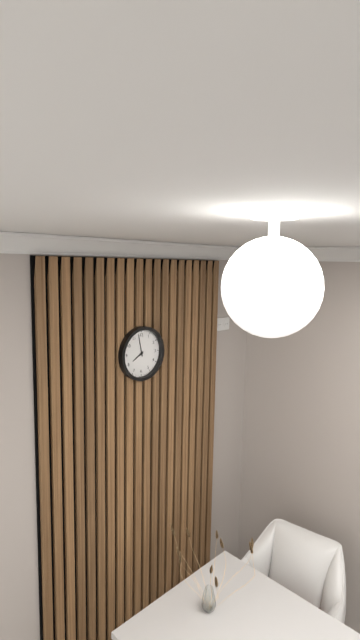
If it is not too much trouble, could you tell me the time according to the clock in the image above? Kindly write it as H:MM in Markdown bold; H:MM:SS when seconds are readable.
**7:58**
